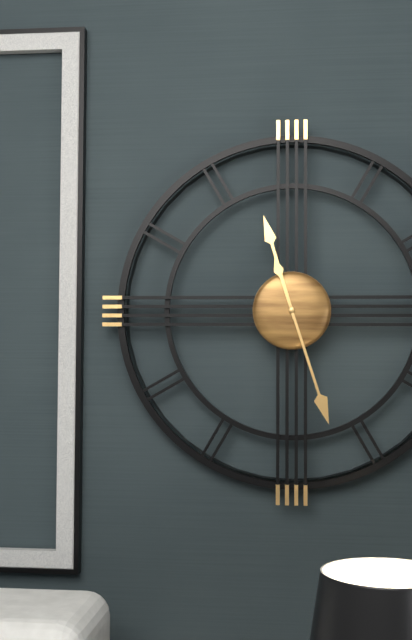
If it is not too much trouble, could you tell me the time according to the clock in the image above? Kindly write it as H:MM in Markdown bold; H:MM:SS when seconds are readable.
**11:27**
